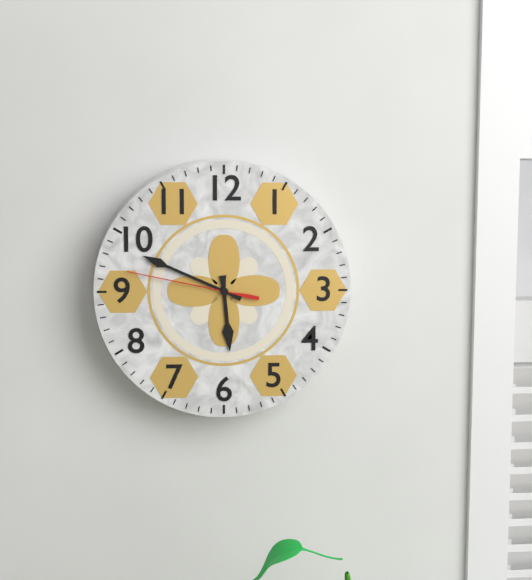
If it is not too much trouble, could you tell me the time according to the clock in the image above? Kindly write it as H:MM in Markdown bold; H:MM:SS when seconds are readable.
**5:49:47**
